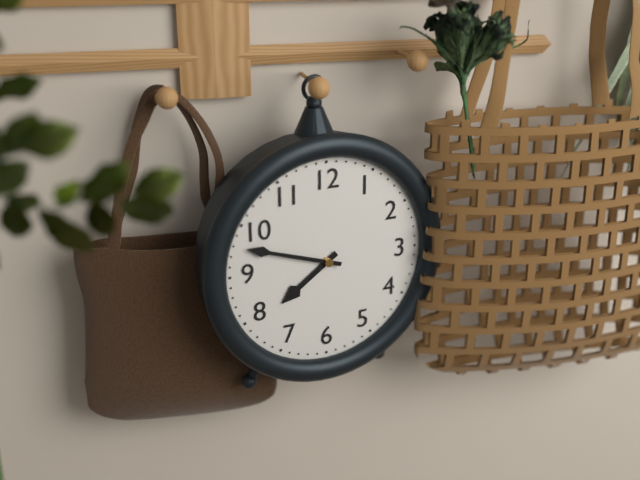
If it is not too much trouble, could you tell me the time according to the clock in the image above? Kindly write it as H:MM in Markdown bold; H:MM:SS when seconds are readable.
**7:48**
